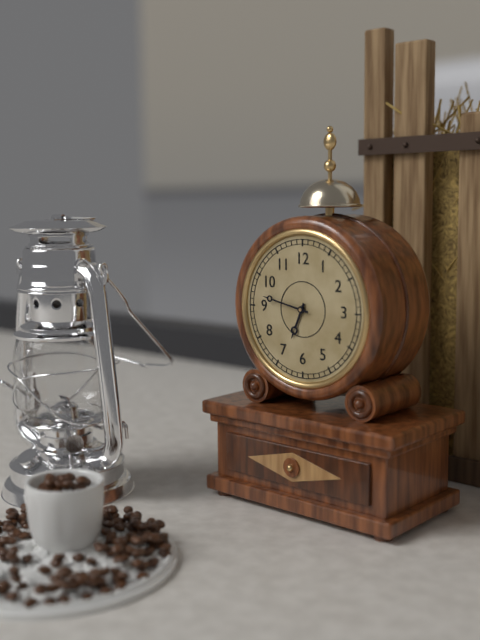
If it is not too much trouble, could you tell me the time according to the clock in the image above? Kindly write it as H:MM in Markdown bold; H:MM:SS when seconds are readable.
**6:47**
